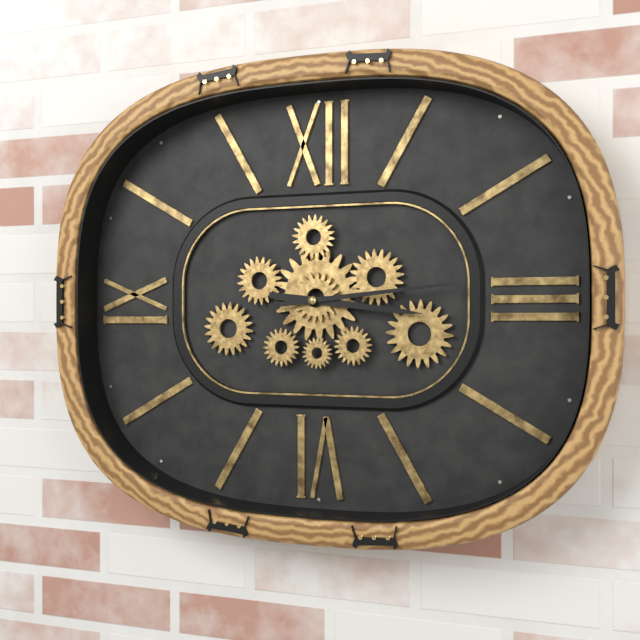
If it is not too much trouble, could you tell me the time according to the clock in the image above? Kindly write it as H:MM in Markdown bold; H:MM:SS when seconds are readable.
**3:14**
